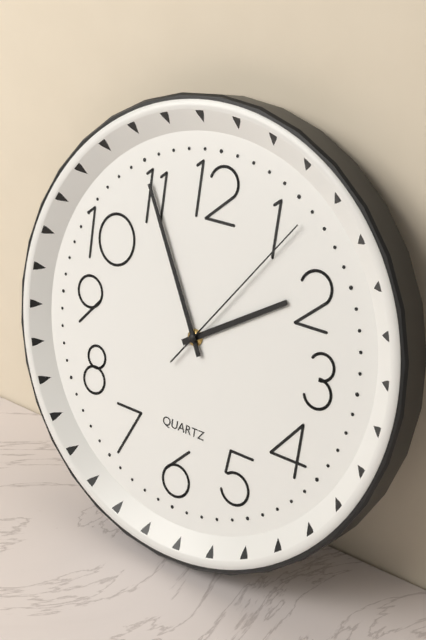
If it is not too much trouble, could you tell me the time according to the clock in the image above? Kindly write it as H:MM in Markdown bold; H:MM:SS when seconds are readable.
**1:55:06**
